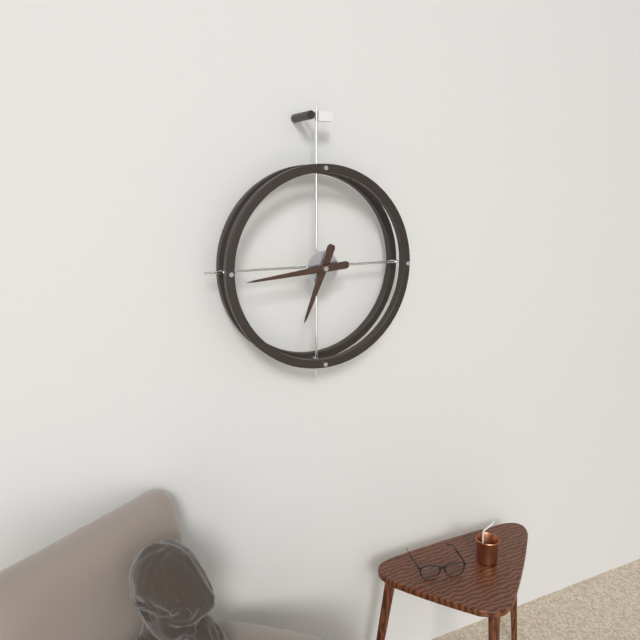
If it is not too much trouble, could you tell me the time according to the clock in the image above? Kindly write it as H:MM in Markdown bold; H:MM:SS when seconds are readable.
**6:44**
